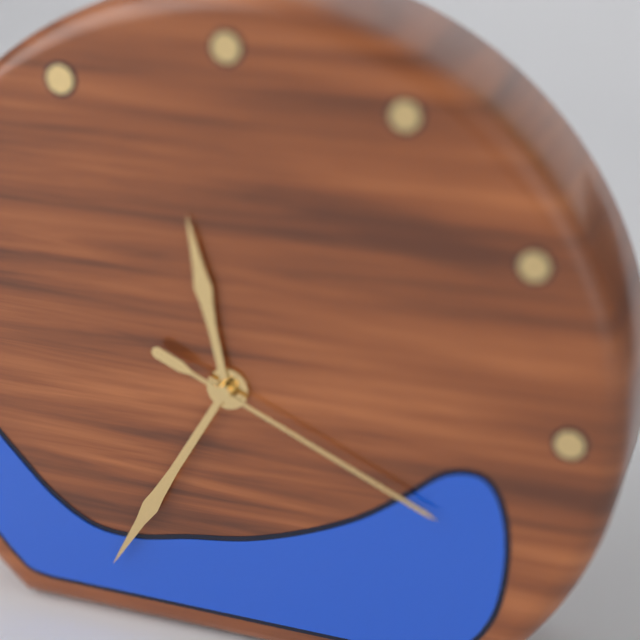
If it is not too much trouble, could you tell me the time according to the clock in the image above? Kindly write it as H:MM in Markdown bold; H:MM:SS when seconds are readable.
**11:35:19**
